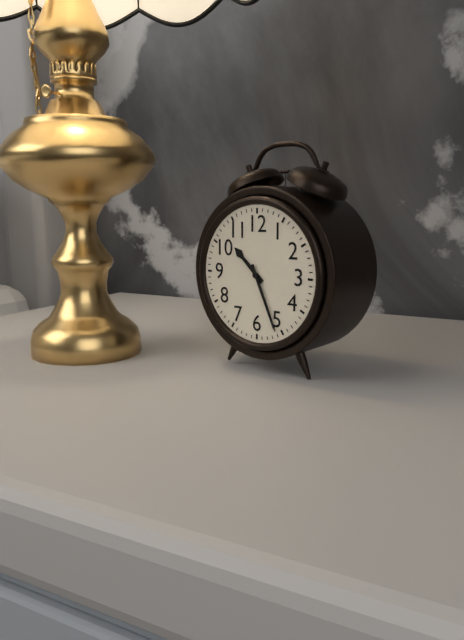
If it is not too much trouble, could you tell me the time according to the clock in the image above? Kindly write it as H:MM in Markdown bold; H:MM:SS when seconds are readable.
**10:26**
